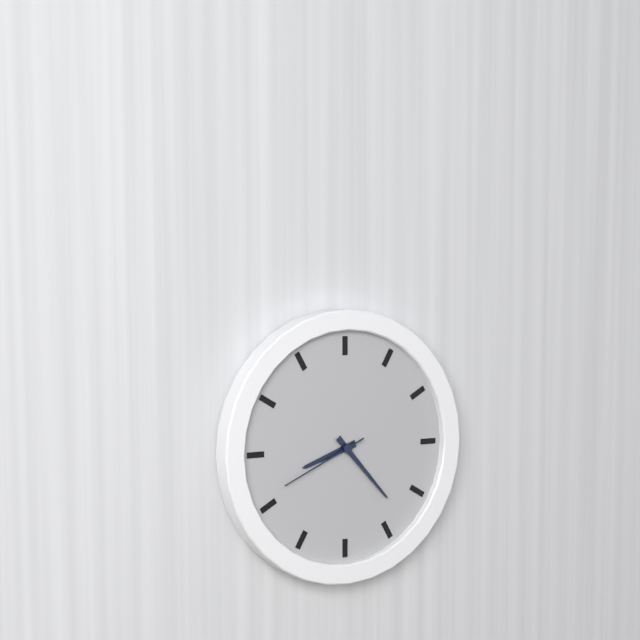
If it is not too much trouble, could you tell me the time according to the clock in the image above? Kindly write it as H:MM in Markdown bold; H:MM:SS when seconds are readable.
**8:23:41**
